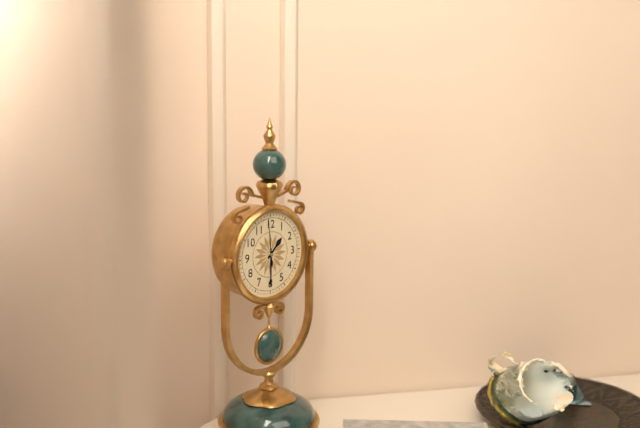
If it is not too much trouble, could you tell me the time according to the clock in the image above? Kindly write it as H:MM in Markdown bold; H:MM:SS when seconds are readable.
**1:30**
